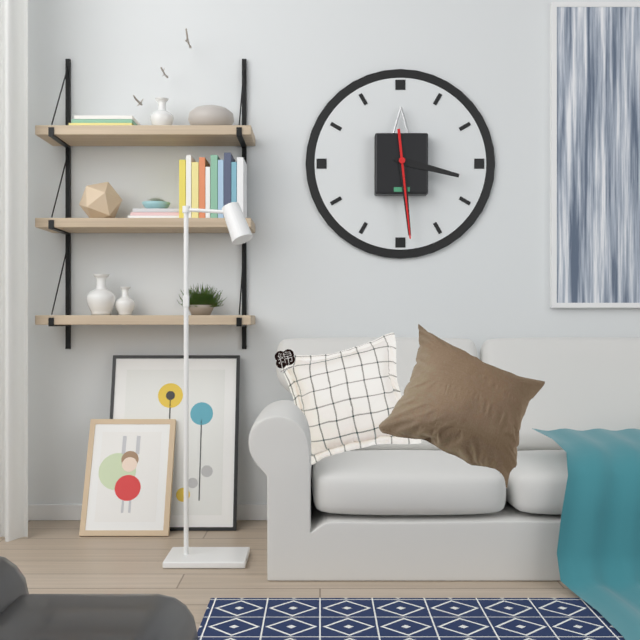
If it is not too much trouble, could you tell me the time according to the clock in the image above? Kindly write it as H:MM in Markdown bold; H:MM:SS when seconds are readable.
**3:29:29**
